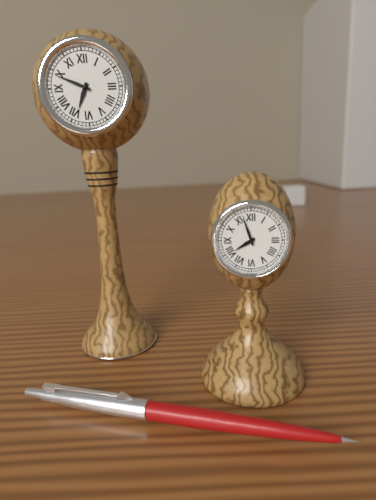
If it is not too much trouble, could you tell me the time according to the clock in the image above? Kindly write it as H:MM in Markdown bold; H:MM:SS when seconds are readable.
**6:49**
